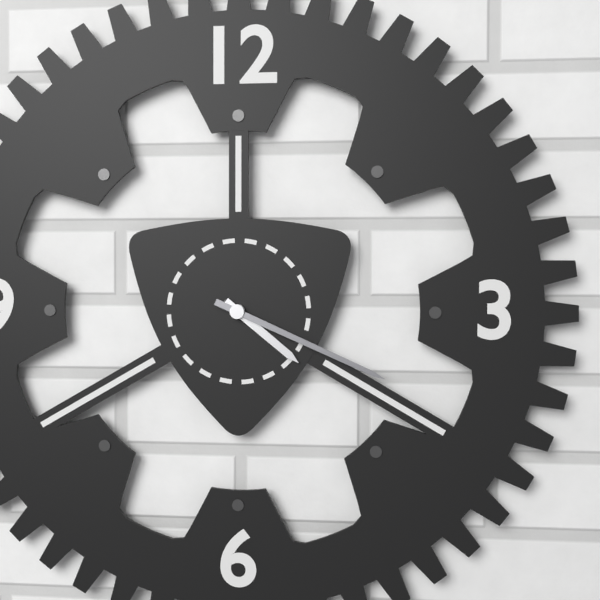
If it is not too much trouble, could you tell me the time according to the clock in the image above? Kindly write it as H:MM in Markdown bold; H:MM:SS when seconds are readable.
**4:19**
